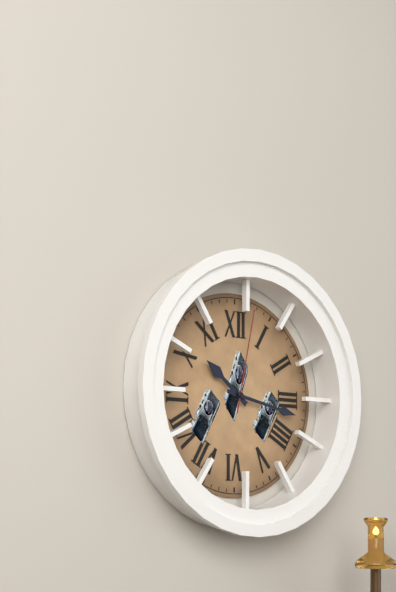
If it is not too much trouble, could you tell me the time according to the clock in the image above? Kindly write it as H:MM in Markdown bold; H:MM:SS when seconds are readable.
**10:17:02**
